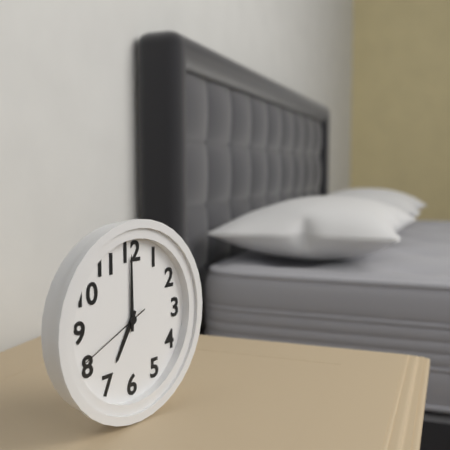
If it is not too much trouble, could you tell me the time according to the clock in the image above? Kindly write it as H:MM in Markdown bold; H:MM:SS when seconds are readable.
**7:00:41**
